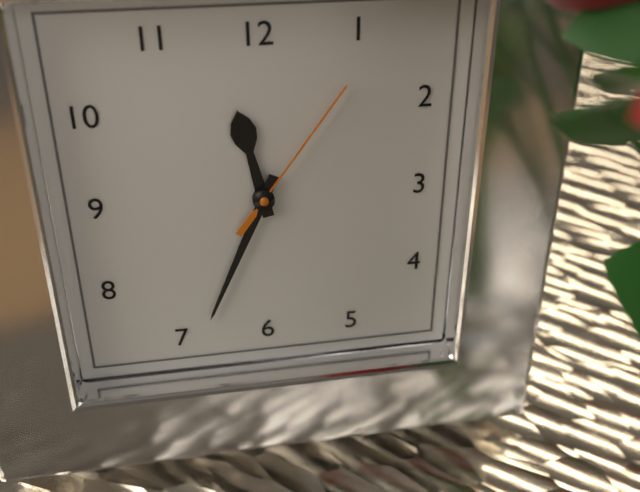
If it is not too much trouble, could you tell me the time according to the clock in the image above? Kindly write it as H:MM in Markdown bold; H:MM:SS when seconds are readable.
**11:34:06**
